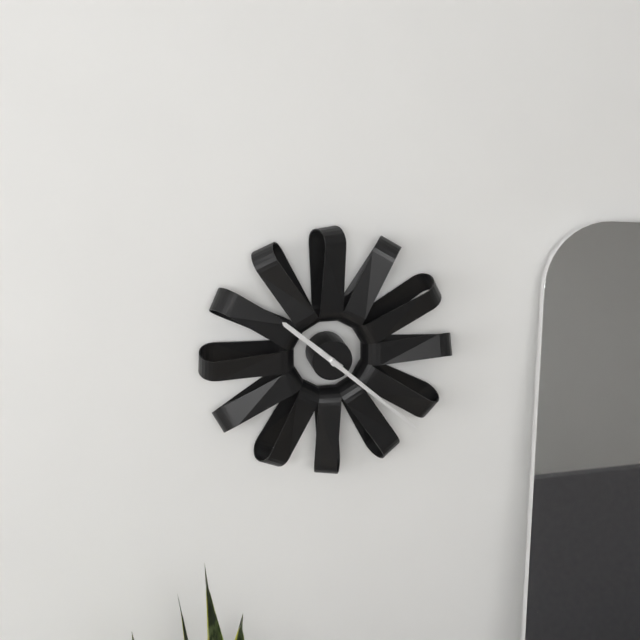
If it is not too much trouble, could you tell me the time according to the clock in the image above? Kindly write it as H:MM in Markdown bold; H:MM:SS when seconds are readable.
**10:22**
